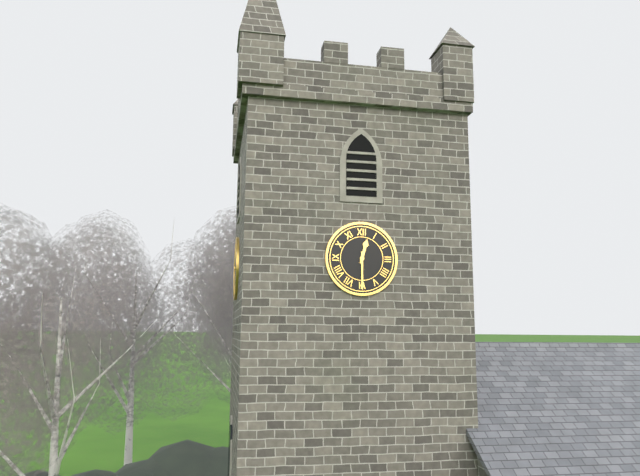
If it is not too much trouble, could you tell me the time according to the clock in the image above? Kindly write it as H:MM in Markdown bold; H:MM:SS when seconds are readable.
**12:30**
